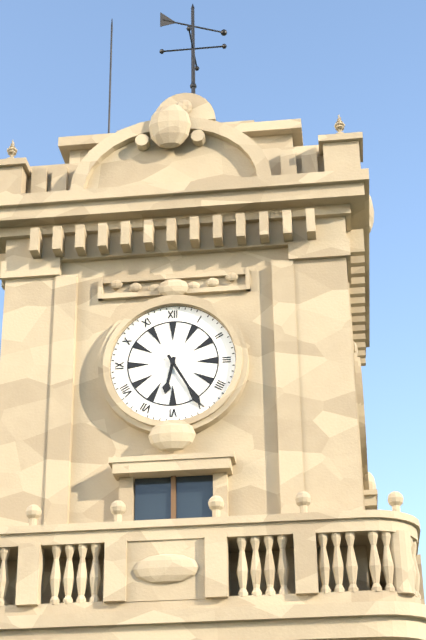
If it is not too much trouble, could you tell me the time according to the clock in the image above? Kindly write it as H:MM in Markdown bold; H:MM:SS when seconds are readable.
**6:25**
